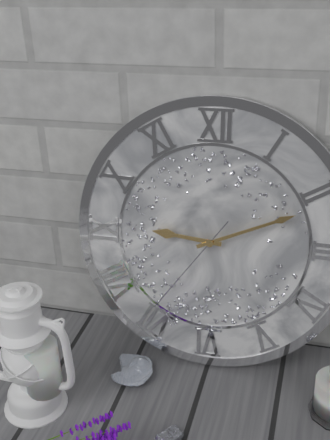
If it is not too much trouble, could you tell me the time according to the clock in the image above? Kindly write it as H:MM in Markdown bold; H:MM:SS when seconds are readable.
**9:11:36**
